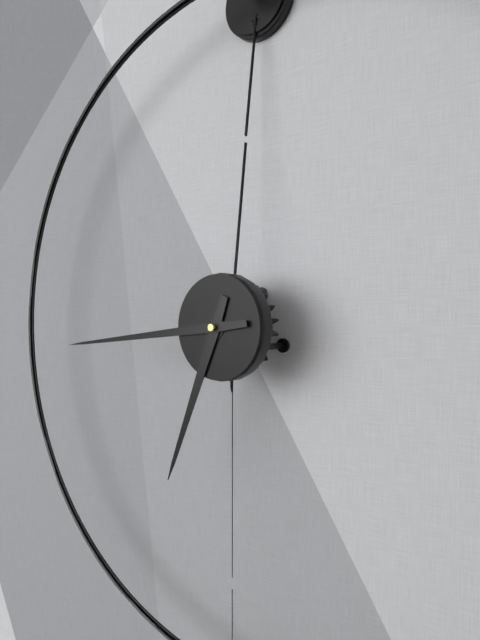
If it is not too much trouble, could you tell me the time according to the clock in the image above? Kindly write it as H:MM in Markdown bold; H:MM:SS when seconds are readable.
**6:44**
